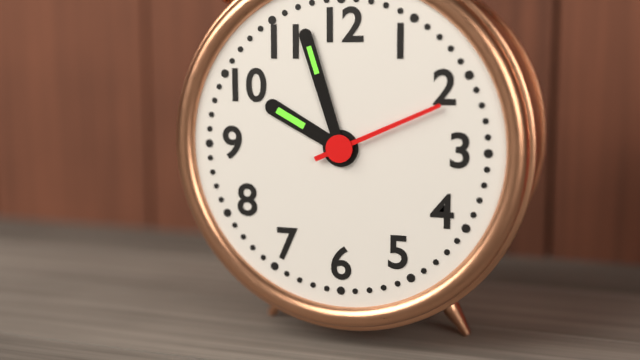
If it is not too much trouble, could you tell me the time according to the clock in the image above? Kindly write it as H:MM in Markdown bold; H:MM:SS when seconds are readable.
**9:57:11**
